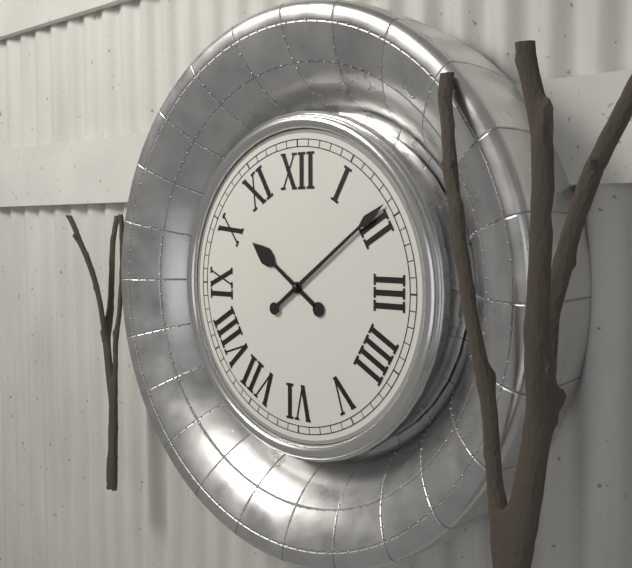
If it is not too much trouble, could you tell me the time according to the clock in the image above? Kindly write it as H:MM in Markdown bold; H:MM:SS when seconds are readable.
**10:09**
